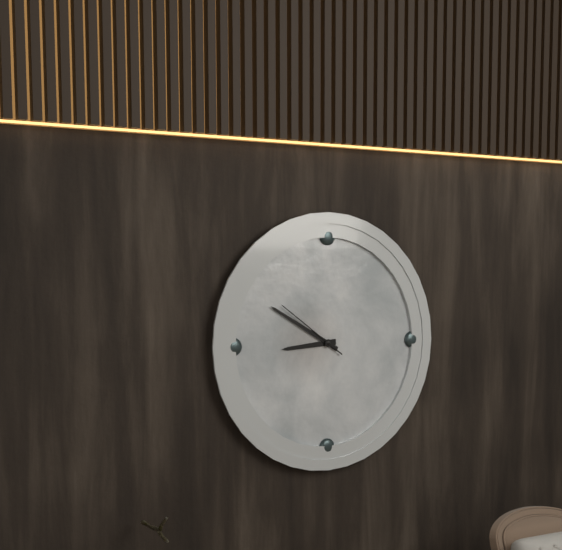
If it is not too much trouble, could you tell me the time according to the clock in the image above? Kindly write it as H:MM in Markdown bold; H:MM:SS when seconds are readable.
**8:50:51**
